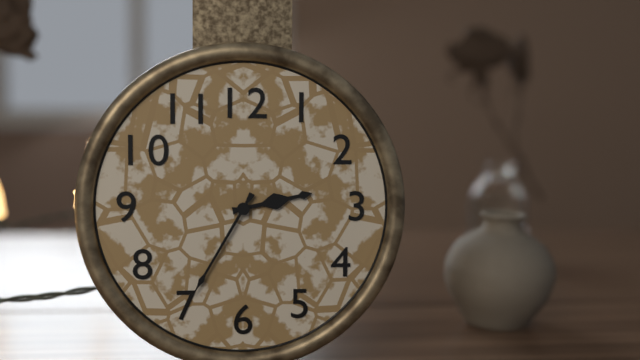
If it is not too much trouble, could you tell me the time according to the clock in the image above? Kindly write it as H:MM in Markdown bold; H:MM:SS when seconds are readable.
**2:35**
